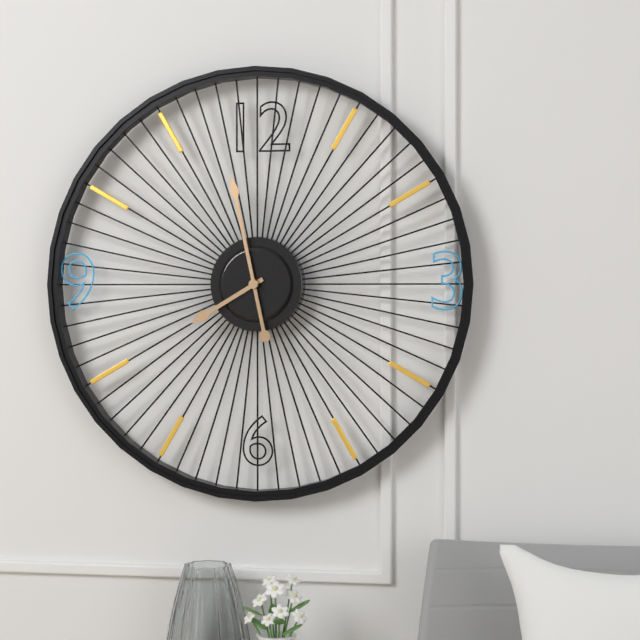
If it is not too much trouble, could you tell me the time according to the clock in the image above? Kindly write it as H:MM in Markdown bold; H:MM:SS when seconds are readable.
**7:58**
